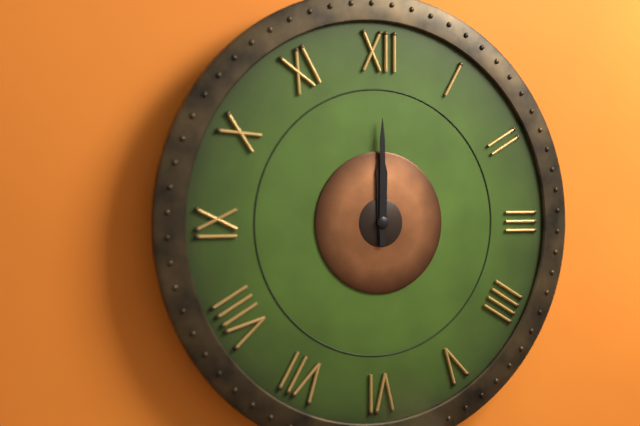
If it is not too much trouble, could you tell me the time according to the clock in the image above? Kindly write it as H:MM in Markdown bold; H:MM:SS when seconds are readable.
**12:00**
